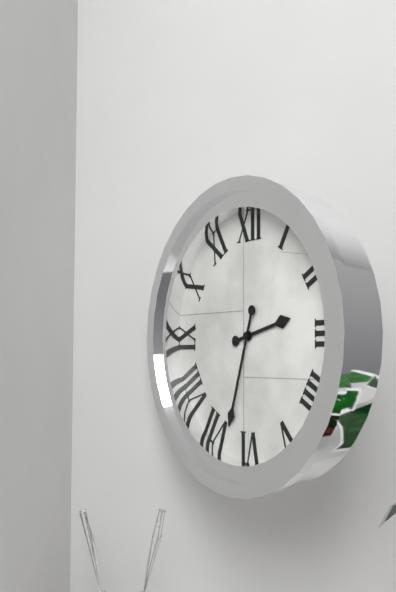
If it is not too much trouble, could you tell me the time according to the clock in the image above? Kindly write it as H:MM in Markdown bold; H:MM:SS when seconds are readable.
**2:33**
